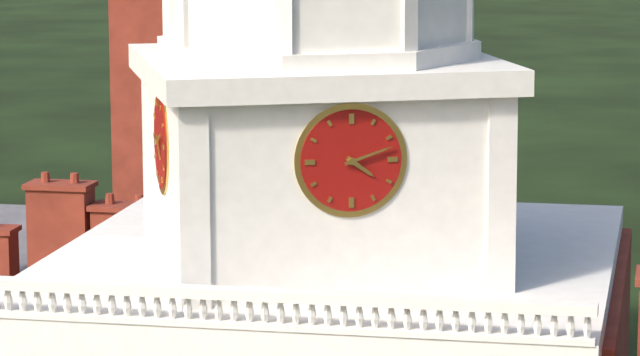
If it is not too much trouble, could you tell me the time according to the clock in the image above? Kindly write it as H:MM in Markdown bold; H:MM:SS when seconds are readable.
**4:12**
